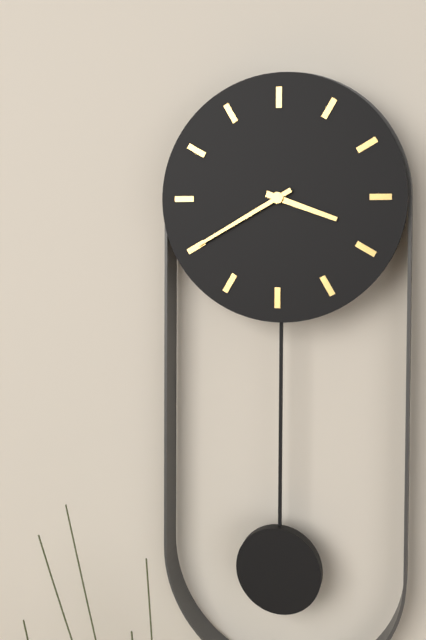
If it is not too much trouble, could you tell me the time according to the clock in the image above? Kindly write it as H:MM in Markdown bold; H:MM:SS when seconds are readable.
**3:40**
